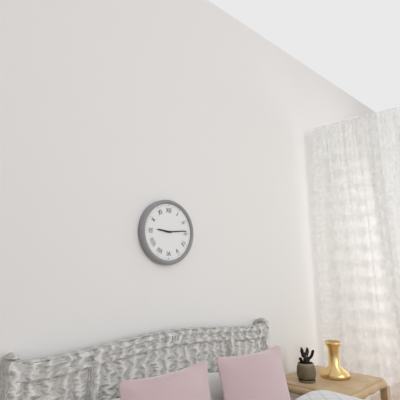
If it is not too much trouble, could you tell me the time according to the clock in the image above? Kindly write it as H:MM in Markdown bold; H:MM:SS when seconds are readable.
**9:14**
